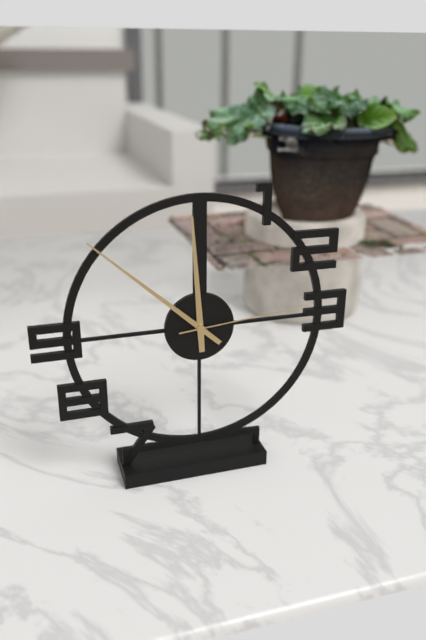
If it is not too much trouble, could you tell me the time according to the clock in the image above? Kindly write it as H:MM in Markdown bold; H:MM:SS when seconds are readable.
**11:52:14**
